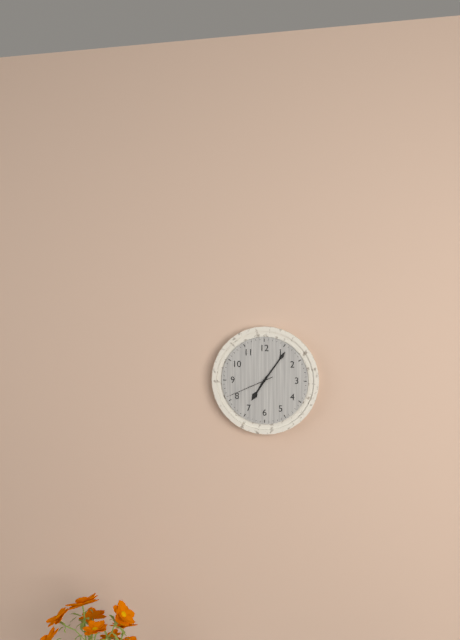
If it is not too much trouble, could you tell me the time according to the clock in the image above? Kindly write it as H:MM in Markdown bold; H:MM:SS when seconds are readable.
**7:06**
